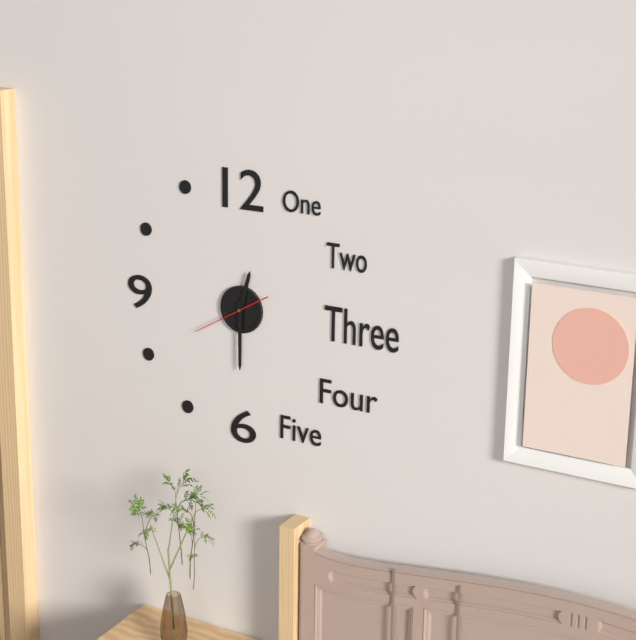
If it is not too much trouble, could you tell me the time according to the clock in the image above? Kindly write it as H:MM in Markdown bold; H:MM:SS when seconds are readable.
**12:30:40**
